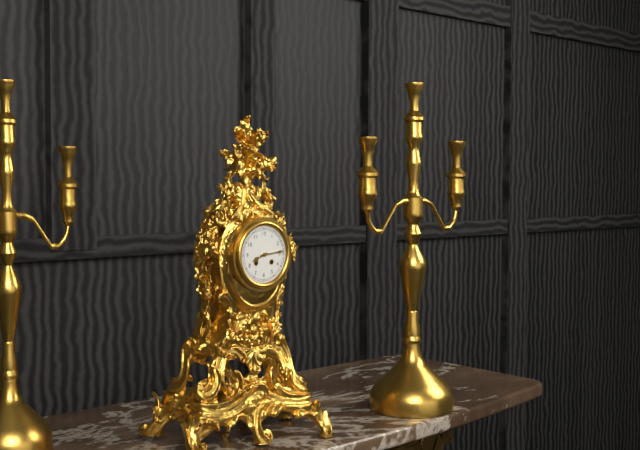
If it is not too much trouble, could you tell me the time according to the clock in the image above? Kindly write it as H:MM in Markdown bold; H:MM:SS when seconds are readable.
**8:14**
